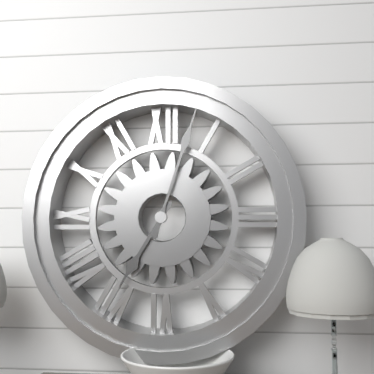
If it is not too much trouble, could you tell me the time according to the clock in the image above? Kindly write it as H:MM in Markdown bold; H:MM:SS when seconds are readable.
**7:03**
